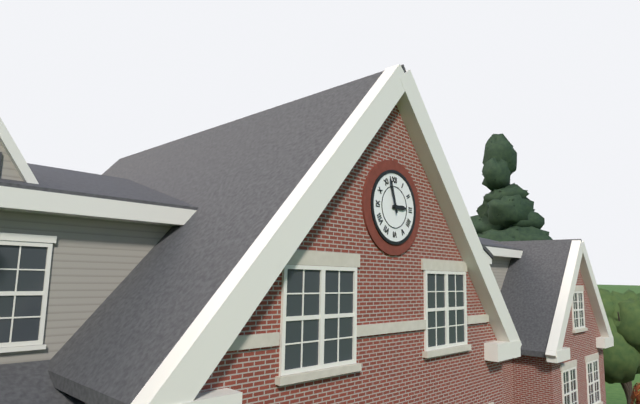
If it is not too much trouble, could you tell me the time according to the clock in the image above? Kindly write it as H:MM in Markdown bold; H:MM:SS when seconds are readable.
**2:57**
